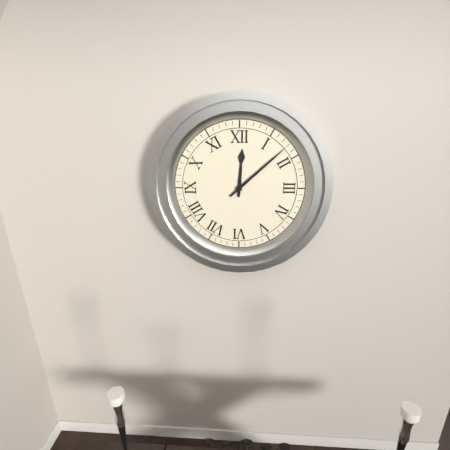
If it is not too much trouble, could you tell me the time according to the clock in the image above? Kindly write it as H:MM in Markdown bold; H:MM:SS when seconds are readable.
**12:08**
